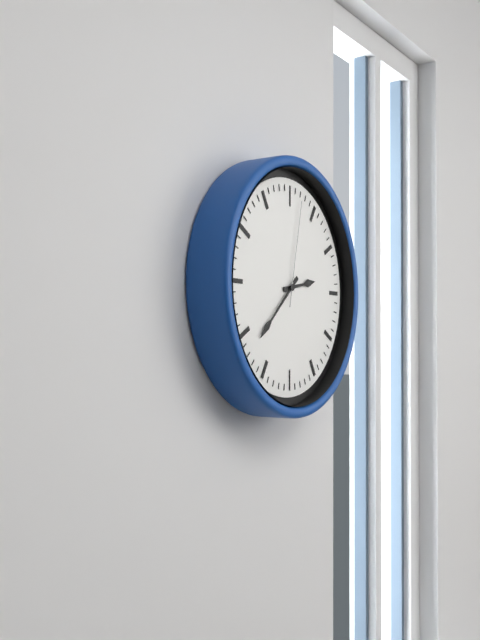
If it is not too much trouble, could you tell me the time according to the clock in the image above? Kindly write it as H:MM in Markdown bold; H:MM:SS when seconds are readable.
**2:38:02**
